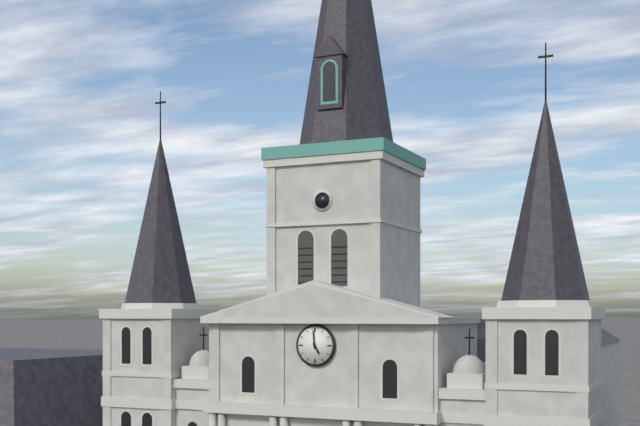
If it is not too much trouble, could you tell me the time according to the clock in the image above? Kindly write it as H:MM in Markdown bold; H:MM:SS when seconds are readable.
**4:59**
